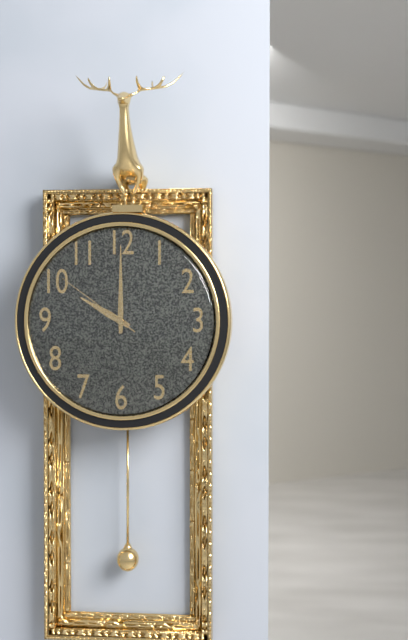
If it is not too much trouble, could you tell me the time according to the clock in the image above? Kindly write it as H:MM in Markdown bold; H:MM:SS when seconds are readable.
**10:00:51**
